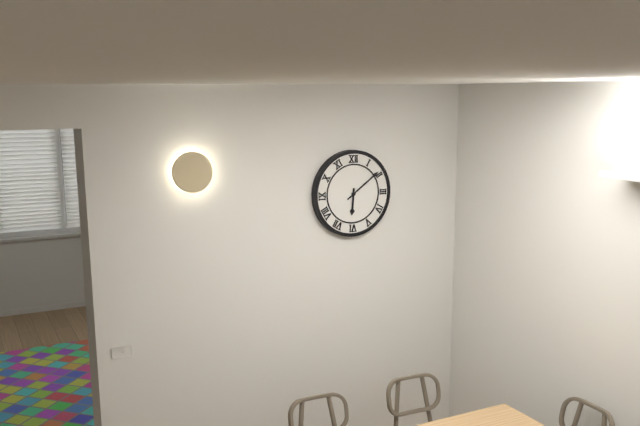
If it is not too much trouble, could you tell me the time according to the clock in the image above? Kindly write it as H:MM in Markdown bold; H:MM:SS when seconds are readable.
**6:09**
